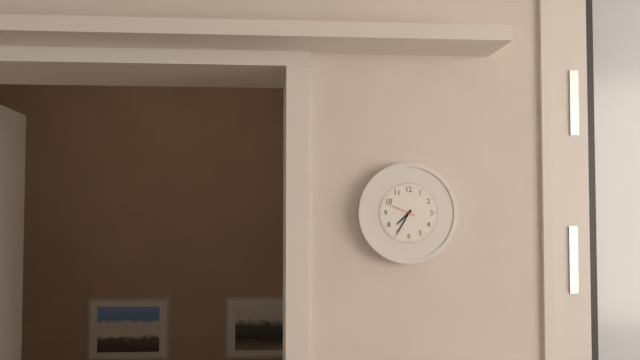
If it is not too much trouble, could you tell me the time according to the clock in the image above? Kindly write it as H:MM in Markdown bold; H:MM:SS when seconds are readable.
**7:35**
